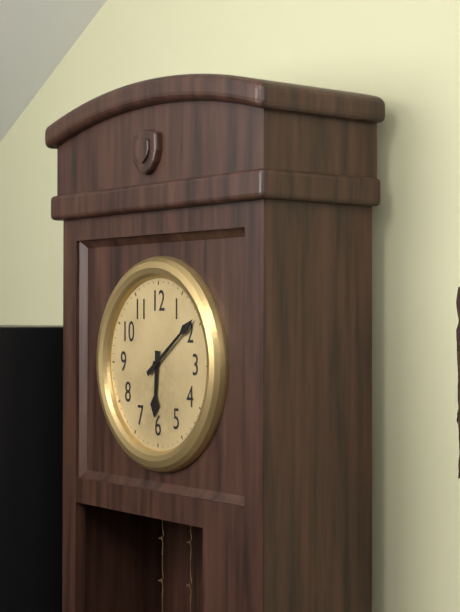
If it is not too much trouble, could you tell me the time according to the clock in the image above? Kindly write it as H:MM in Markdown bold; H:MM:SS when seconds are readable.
**6:09**
